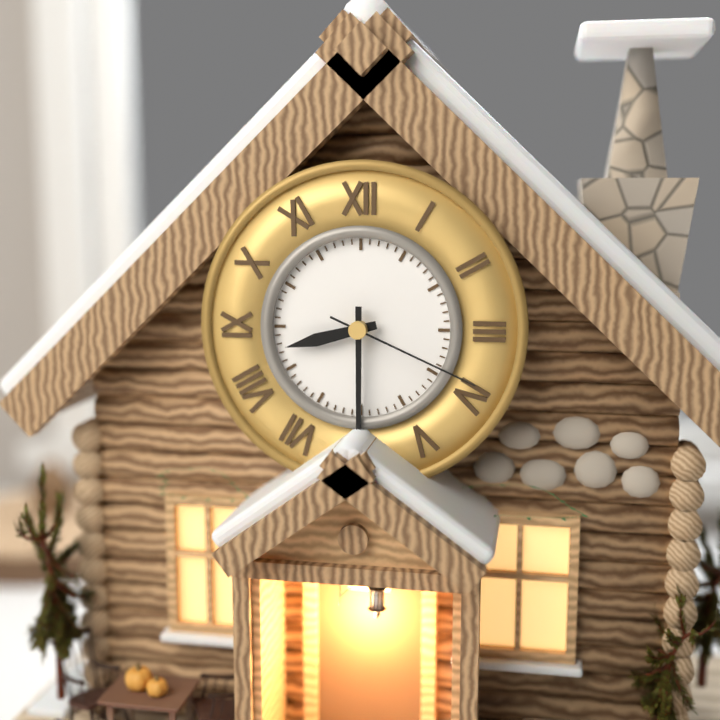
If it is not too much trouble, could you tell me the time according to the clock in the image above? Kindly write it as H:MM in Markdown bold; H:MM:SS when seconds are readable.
**8:30:19**
